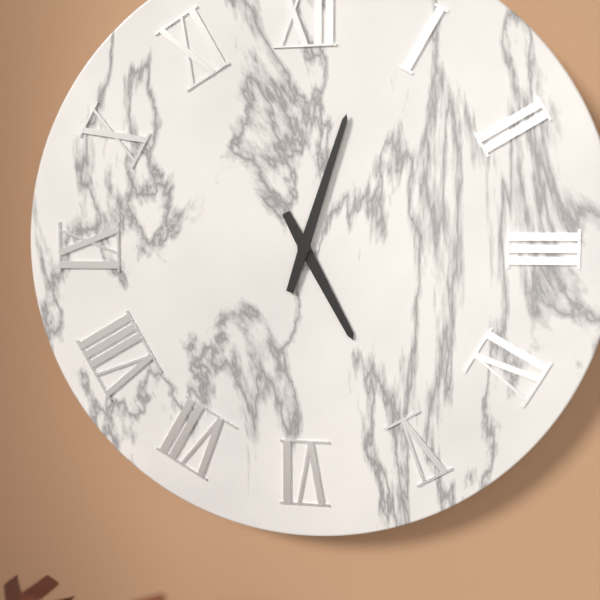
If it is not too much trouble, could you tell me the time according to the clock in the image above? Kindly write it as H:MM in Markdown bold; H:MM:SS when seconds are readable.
**5:03**
